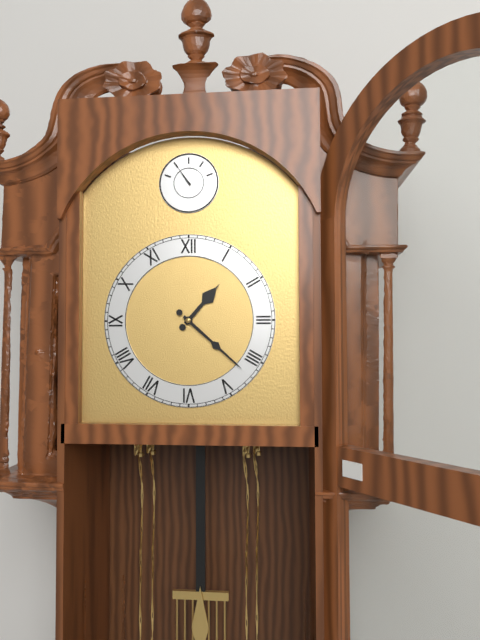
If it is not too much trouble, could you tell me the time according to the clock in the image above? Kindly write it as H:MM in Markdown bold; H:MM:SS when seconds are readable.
**1:22**
